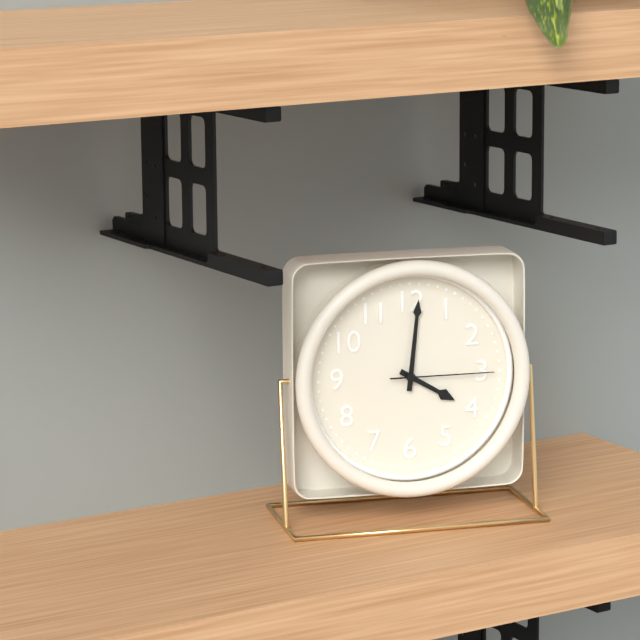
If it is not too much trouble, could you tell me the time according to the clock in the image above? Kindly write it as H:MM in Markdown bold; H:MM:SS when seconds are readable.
**4:01:15**
